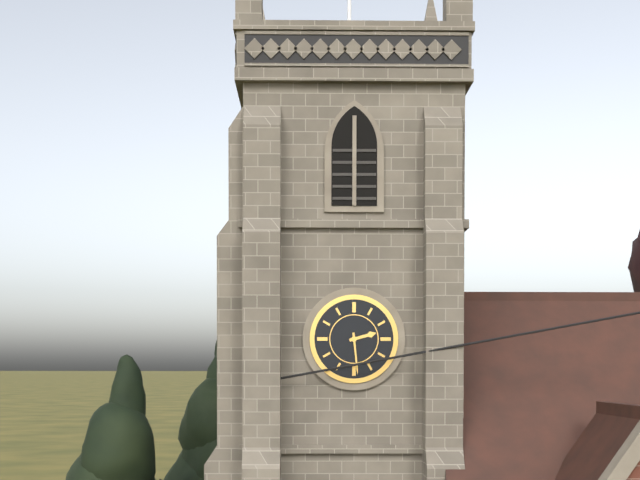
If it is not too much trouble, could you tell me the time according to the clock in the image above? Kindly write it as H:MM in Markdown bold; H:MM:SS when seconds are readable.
**2:29**
